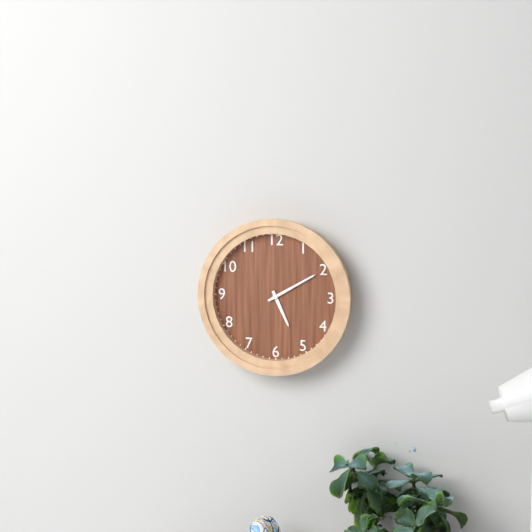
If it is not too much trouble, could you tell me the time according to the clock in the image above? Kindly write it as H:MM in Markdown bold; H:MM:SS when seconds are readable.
**5:10**
